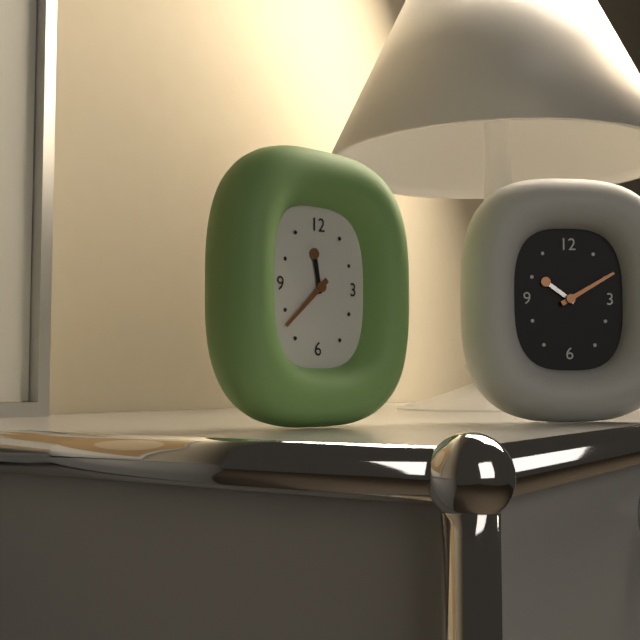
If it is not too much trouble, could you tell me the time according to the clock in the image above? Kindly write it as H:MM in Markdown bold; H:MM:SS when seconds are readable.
**11:38**
